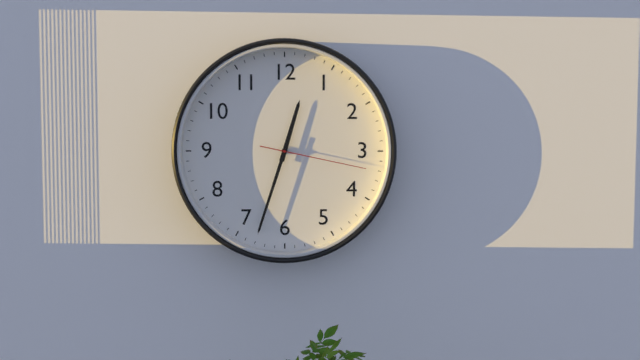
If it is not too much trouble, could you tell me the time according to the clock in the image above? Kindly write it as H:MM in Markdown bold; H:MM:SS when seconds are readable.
**12:33:17**
